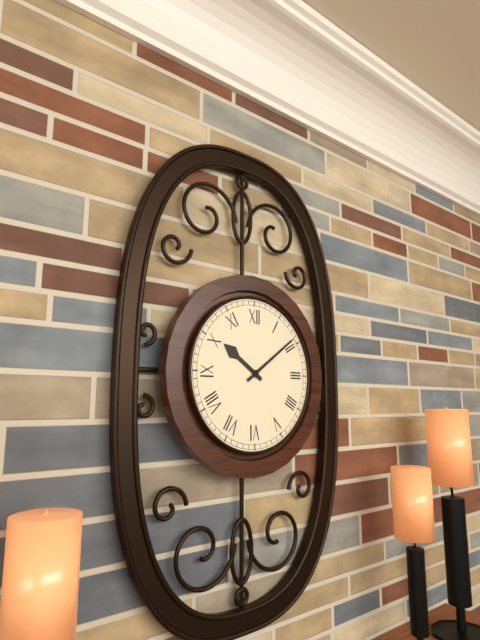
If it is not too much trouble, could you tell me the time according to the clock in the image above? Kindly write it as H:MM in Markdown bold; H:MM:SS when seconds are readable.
**10:09**
